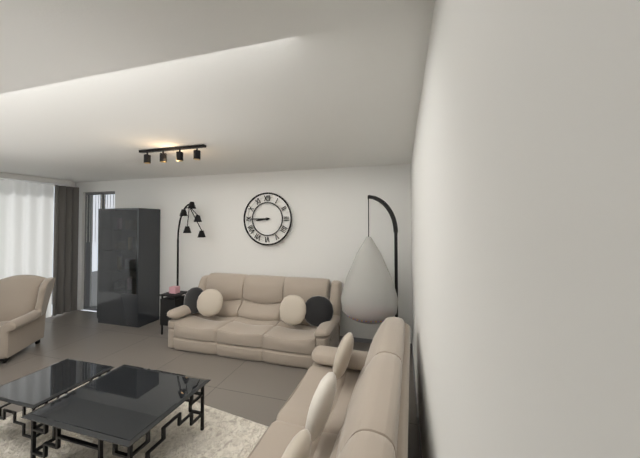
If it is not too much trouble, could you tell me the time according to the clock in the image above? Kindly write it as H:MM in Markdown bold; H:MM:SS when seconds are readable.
**8:45**
